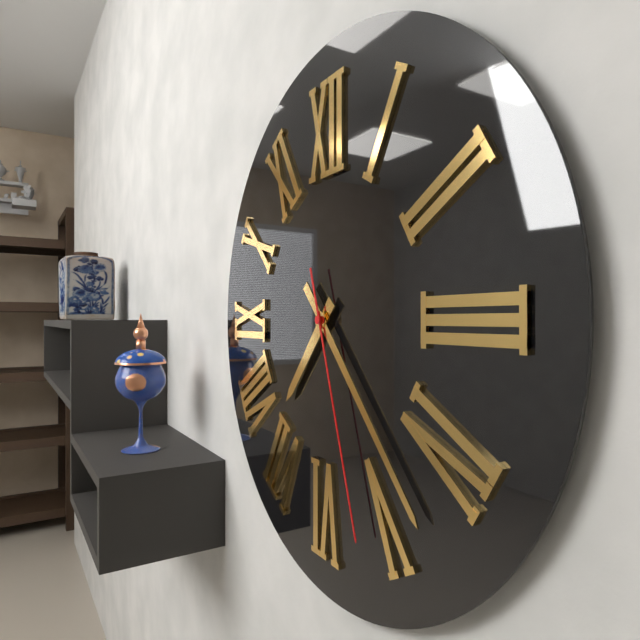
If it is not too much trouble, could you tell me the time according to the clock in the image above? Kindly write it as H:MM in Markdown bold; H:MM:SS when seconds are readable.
**7:23:27**
